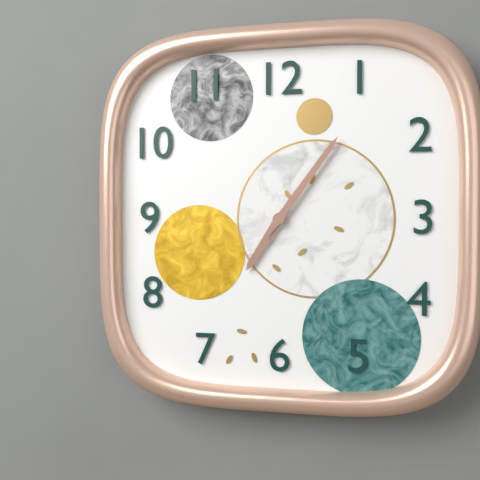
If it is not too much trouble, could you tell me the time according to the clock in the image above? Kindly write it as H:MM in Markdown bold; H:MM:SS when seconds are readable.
**7:06**
